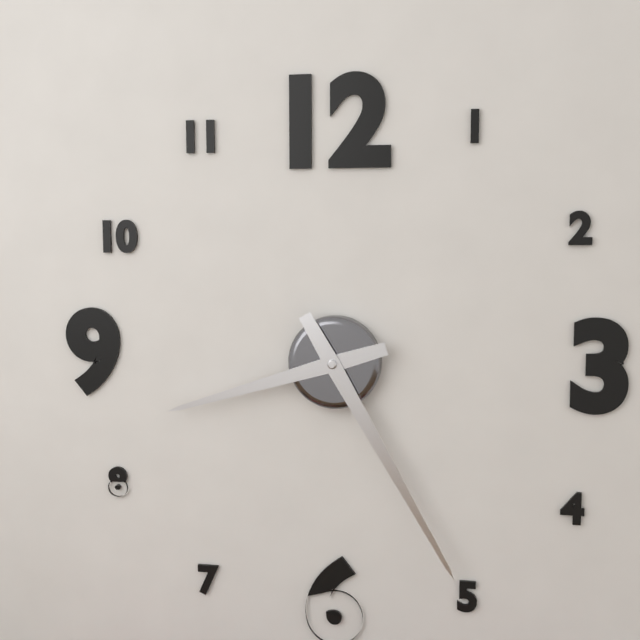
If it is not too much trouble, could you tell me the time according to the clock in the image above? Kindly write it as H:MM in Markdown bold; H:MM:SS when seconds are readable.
**8:25**
